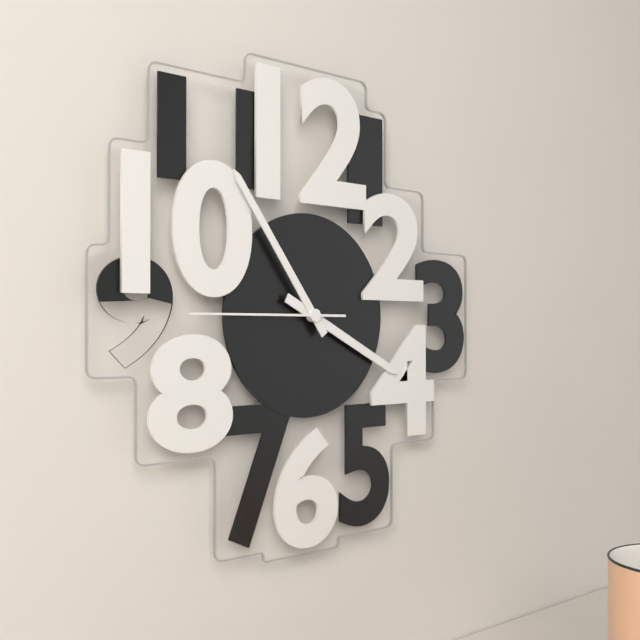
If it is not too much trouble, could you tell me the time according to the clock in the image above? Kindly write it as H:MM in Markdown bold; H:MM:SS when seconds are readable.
**3:54:45**
